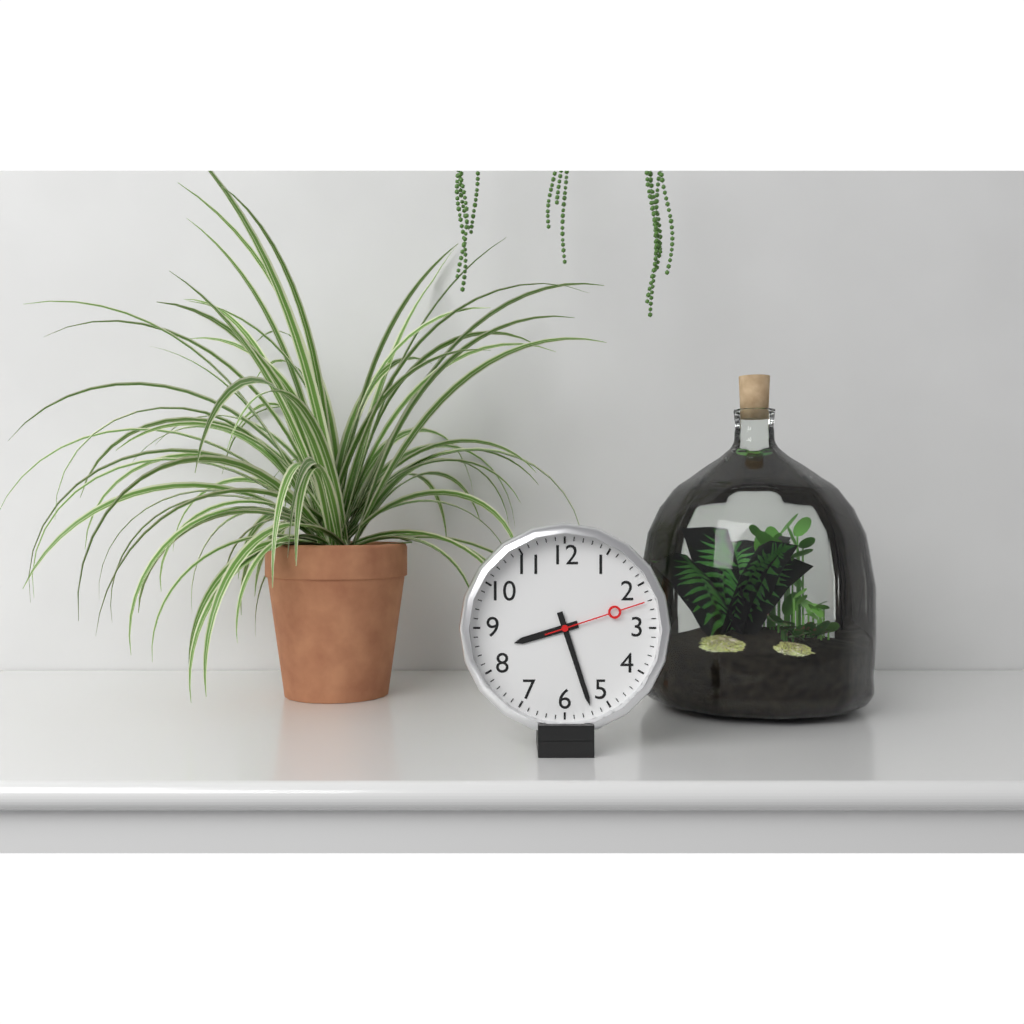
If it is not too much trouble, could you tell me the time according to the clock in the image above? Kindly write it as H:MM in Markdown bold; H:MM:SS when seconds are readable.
**8:27:12**
